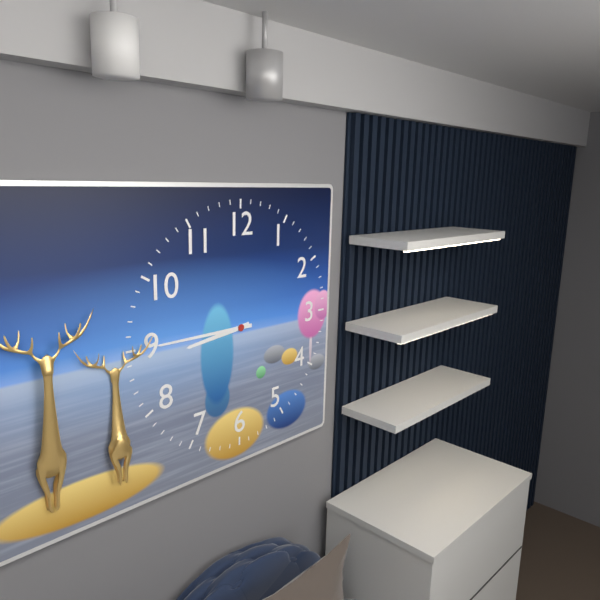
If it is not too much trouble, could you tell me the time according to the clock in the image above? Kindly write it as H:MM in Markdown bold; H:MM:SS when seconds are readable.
**8:45**
